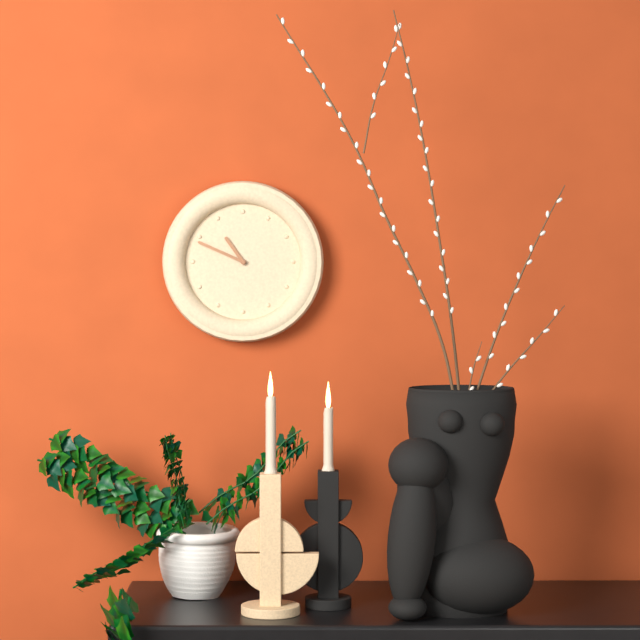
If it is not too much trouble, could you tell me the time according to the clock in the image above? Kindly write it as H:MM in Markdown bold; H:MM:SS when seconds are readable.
**10:49**
